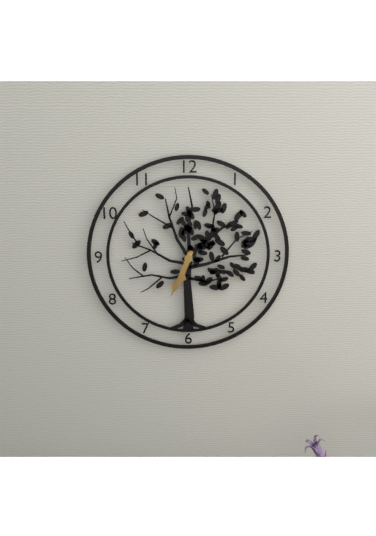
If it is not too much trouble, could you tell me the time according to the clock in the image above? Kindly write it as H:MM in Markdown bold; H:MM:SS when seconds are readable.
**6:34**
